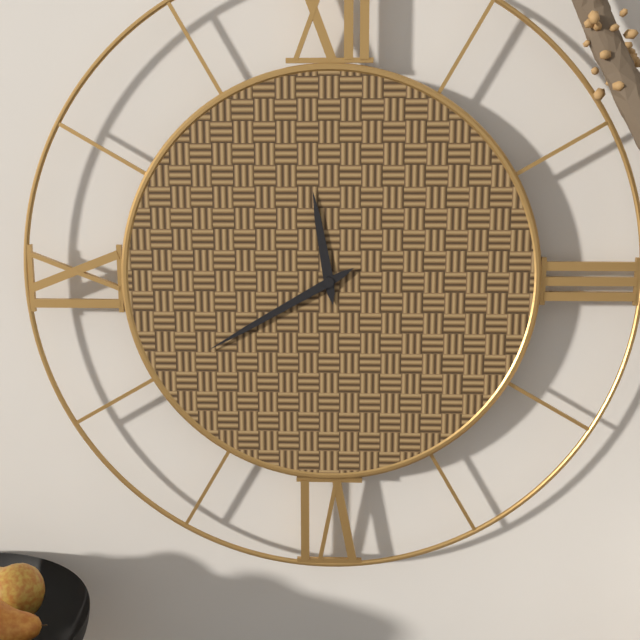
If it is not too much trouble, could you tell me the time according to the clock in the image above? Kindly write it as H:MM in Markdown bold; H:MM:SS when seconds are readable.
**11:40**
